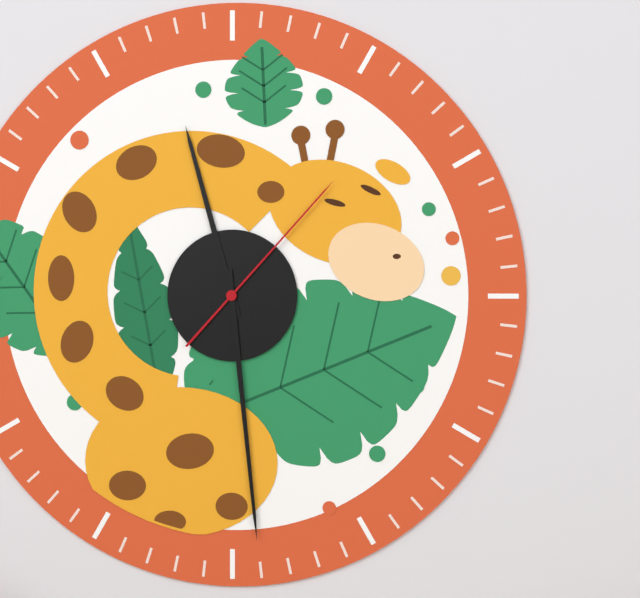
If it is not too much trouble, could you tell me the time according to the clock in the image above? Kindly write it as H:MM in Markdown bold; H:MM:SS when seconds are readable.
**11:29:07**
